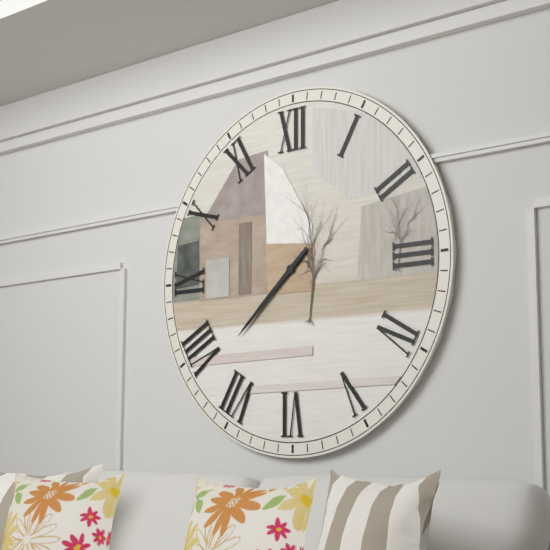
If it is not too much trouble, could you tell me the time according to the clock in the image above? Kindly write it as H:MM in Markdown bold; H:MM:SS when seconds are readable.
**7:38**
